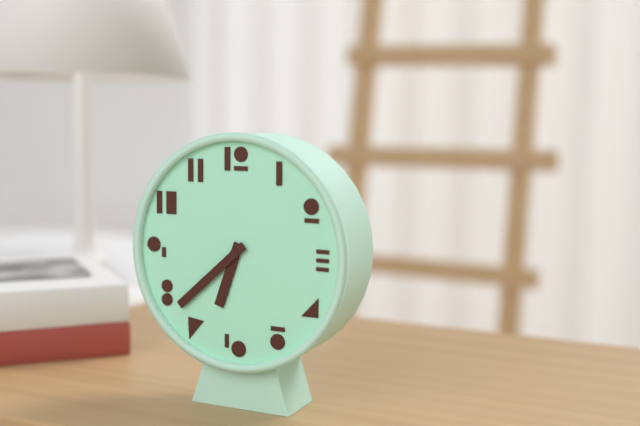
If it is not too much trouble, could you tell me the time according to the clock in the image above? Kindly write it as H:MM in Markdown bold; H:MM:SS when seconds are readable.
**6:38**
